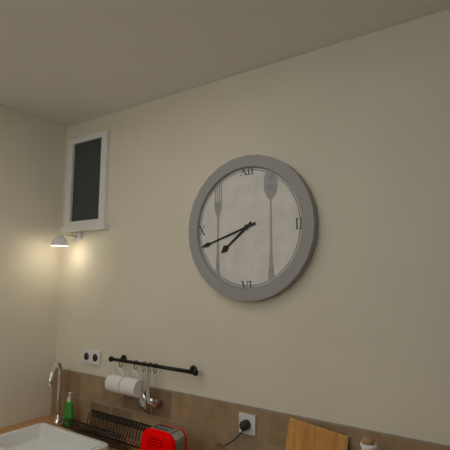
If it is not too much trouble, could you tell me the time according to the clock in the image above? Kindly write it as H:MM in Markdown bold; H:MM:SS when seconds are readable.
**7:42**
